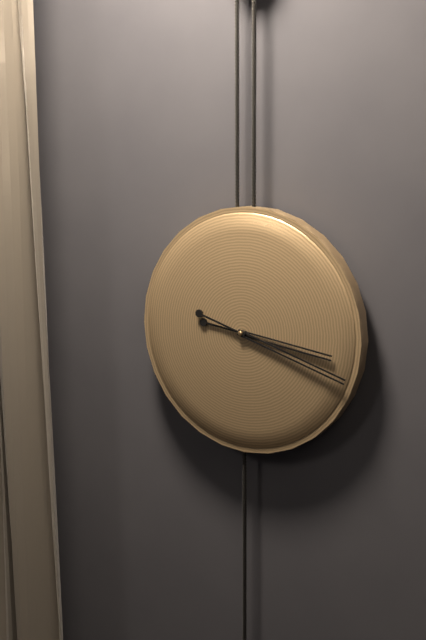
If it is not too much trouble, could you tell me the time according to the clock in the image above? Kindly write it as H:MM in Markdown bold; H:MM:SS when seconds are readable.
**3:18**
